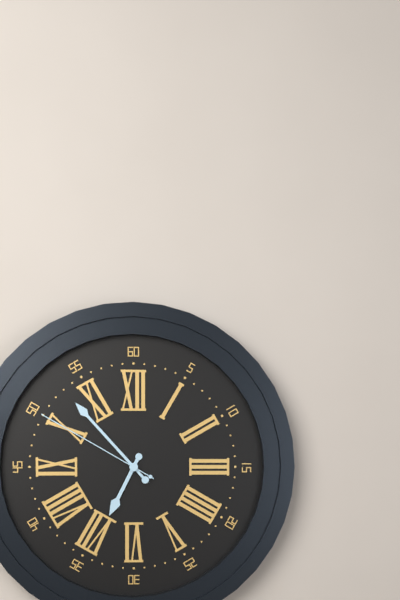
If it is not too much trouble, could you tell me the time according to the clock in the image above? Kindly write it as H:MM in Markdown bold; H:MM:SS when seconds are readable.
**6:53:50**
